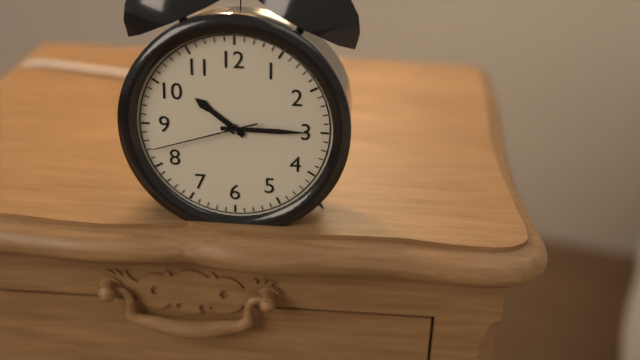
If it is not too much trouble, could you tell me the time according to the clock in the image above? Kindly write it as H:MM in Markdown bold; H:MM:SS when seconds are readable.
**10:15:42**
